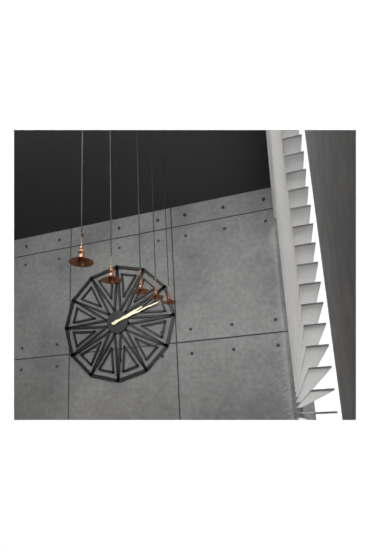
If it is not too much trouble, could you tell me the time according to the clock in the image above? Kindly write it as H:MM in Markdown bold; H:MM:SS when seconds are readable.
**2:12**
